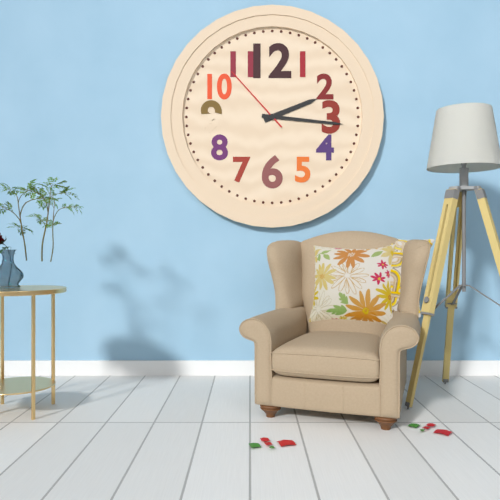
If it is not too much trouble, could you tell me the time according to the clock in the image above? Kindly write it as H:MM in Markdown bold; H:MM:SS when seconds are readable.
**2:16:53**
